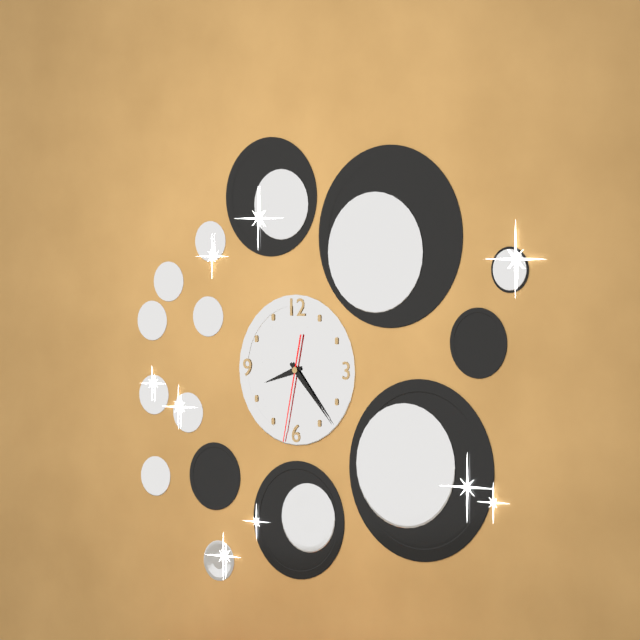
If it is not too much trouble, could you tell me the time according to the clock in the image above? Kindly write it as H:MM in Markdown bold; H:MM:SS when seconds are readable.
**8:23:32**
